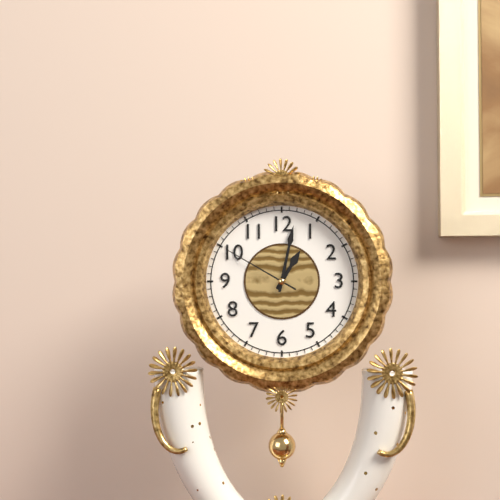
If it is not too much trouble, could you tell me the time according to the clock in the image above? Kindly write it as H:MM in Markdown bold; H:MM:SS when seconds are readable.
**1:02:50**
